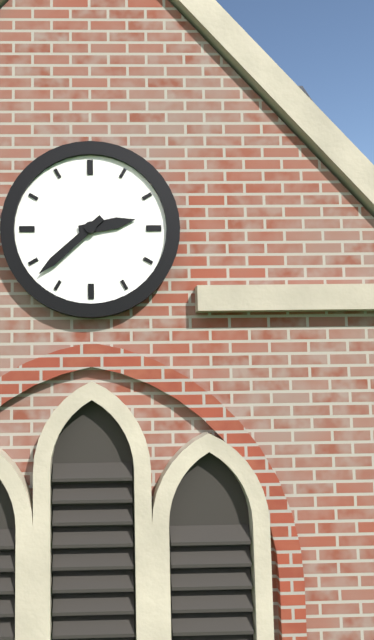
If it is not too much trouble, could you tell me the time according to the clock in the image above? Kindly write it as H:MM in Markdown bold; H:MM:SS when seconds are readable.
**2:38**
